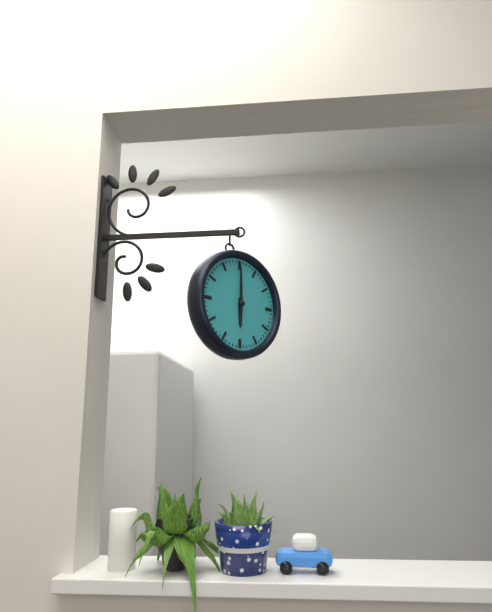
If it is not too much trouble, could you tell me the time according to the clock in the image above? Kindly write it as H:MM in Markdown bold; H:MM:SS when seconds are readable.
**6:00**
